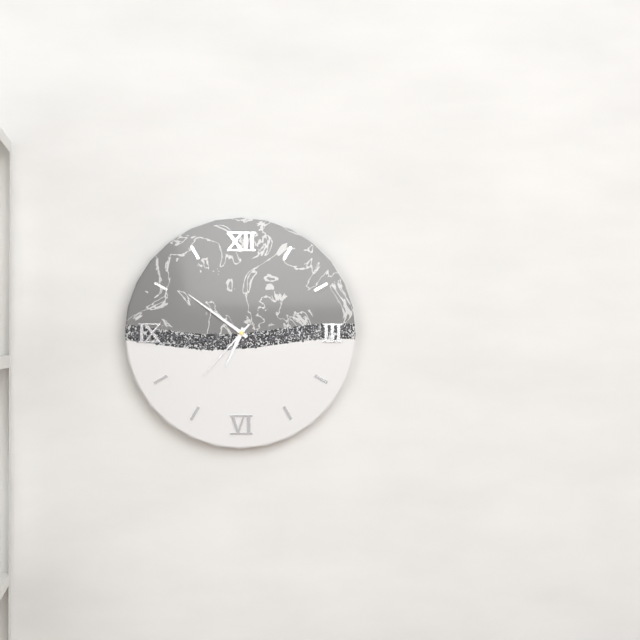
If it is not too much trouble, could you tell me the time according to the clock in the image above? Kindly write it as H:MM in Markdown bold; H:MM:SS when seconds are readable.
**6:51:37**
